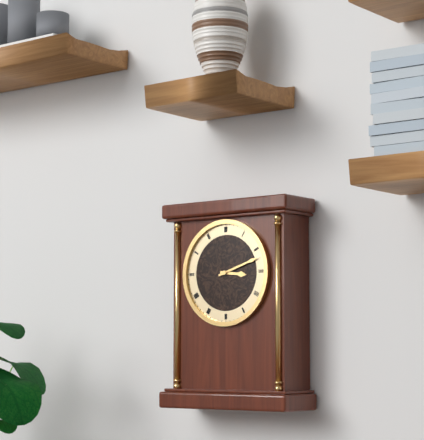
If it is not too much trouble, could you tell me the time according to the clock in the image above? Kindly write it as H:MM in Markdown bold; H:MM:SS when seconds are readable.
**3:12**
